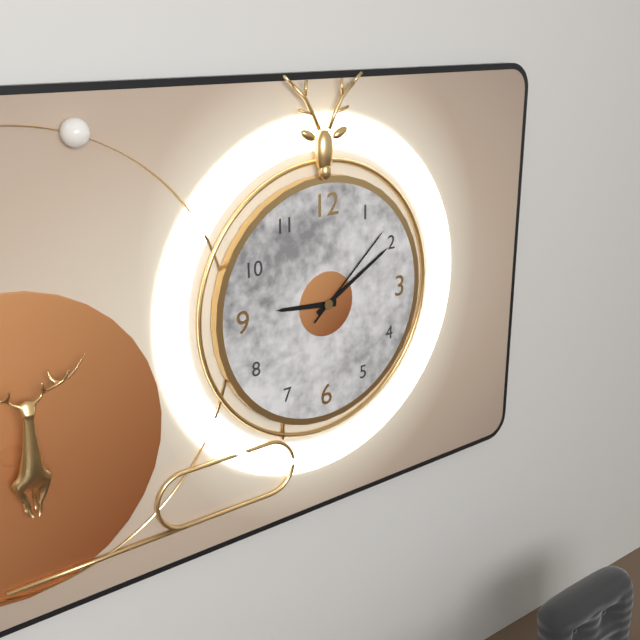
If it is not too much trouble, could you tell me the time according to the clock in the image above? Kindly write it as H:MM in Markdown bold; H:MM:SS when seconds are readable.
**9:10:08**
